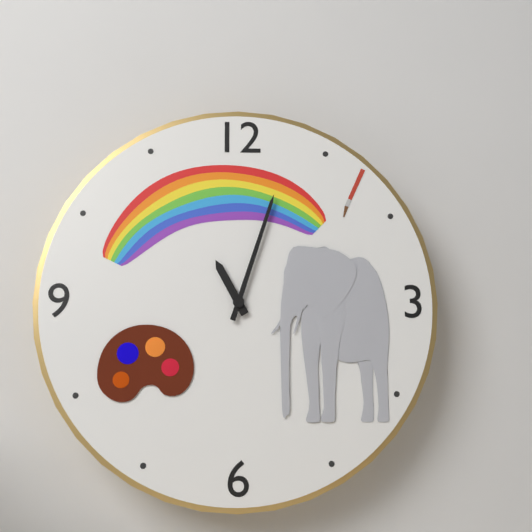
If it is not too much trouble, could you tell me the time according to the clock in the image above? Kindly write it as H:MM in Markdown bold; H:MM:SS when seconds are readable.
**11:03**
